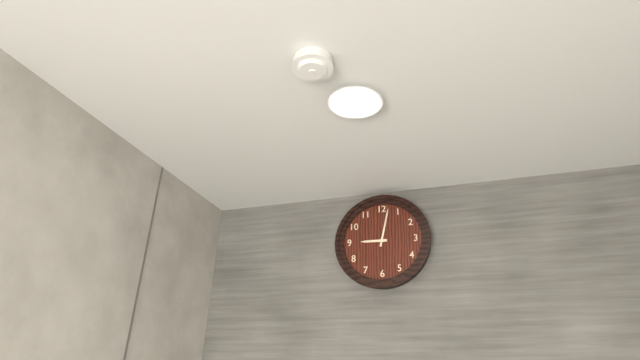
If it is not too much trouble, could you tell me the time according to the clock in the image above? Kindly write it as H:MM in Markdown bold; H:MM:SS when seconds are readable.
**9:02**
